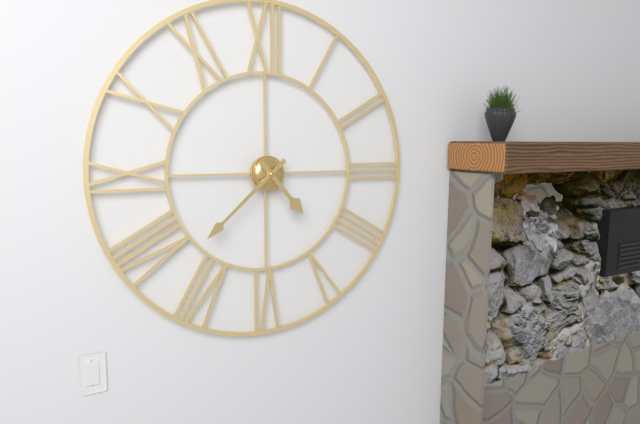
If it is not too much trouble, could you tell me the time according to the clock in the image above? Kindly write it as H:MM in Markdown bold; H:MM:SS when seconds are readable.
**4:38**
